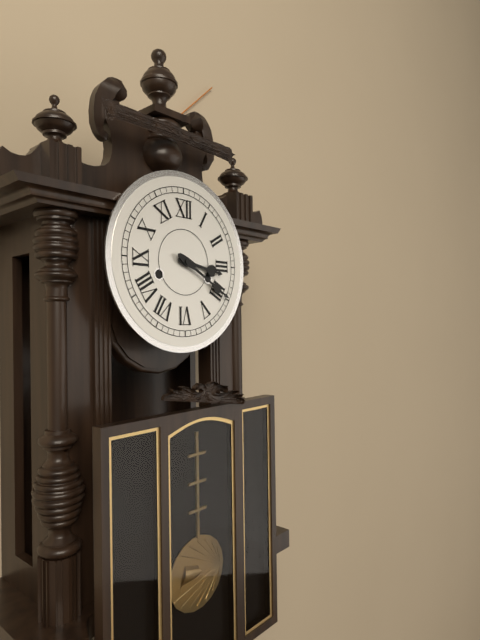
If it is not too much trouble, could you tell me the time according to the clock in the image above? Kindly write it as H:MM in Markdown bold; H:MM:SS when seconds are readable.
**3:20**
